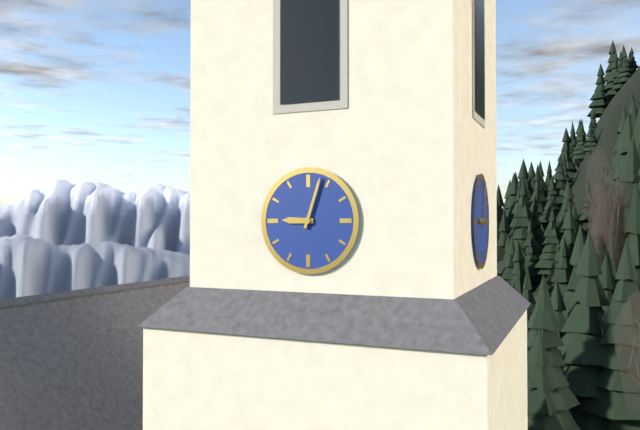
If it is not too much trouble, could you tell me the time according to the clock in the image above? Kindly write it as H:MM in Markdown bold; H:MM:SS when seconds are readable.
**9:03**
